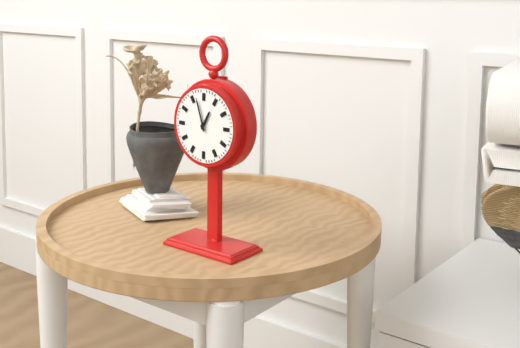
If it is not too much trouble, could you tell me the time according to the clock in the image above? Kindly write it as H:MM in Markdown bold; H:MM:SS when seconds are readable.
**12:57**
